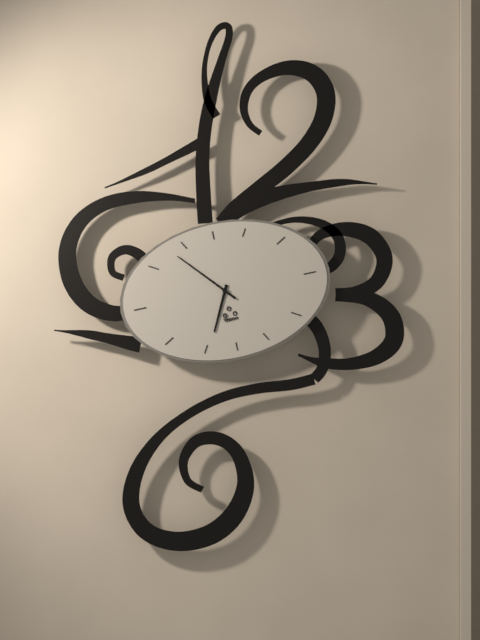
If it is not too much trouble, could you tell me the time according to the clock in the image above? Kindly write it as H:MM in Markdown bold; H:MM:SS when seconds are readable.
**6:53**
